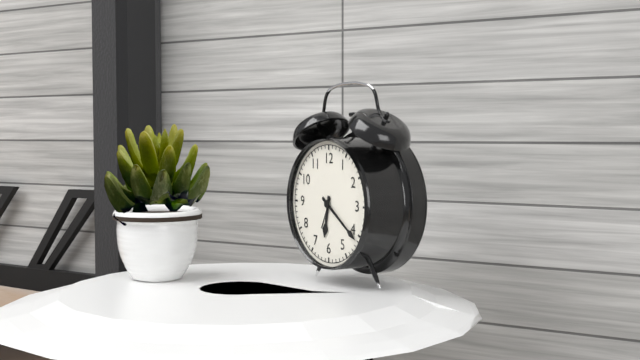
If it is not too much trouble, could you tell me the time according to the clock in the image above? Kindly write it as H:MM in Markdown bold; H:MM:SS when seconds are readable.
**6:21**
